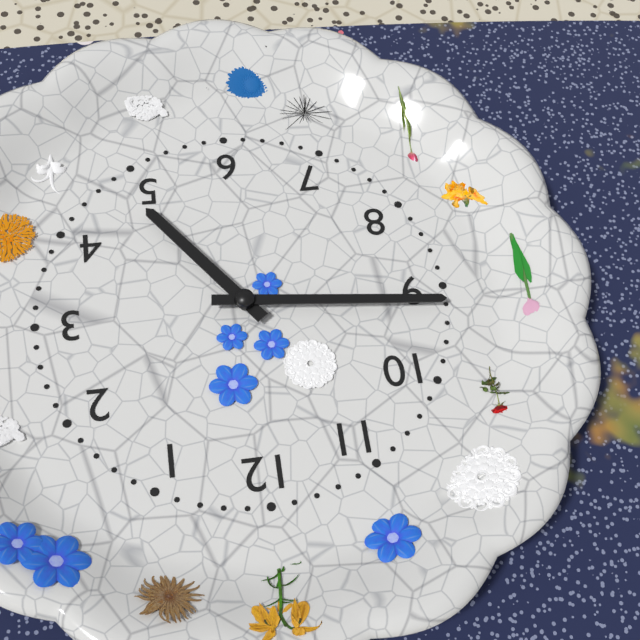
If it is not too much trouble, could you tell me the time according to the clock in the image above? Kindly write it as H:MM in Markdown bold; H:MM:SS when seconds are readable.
**4:46**
